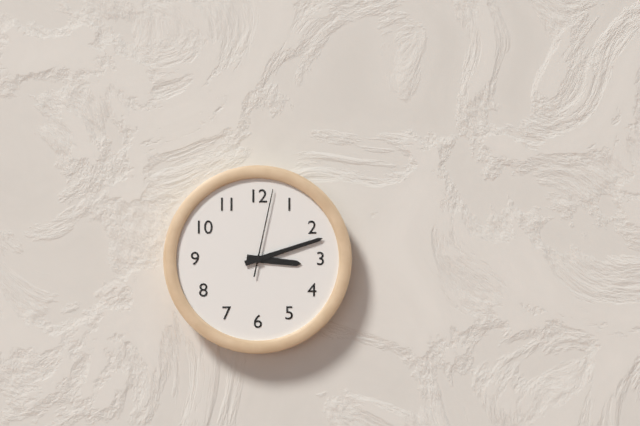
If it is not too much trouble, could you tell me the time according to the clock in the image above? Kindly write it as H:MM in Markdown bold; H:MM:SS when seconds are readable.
**3:12:02**
